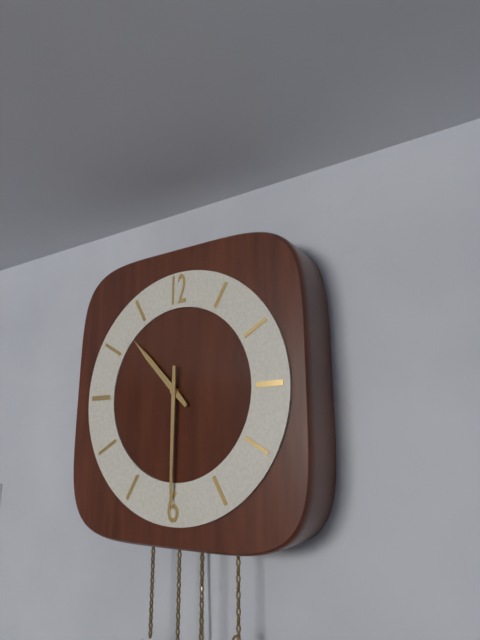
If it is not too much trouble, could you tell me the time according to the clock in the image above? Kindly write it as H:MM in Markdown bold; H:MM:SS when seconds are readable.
**10:30**
